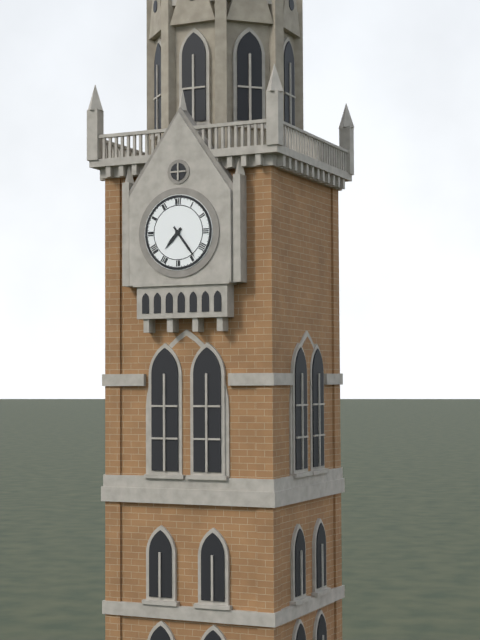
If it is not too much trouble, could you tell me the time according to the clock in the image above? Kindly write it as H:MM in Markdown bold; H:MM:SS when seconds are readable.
**7:24**
